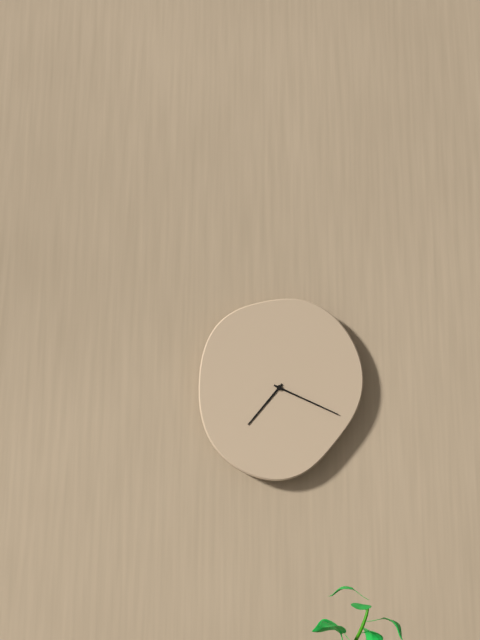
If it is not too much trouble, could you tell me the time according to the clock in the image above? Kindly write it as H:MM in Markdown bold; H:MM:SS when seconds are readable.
**7:19**
